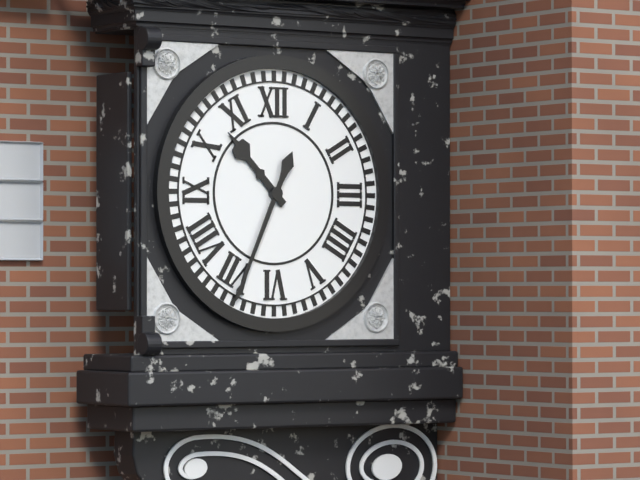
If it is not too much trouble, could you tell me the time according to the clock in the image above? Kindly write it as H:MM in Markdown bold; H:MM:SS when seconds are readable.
**10:34**
